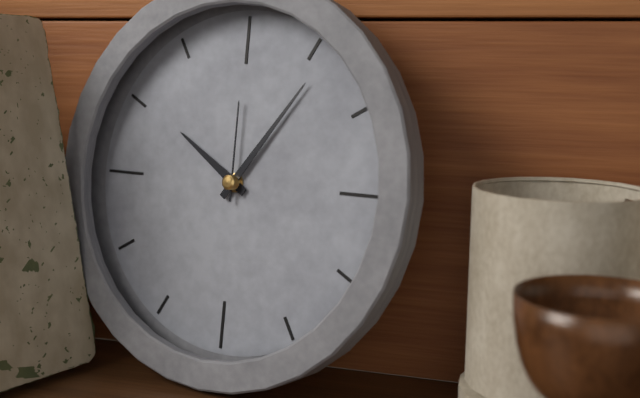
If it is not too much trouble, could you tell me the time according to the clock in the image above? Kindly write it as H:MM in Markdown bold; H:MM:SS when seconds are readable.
**10:06:00**
